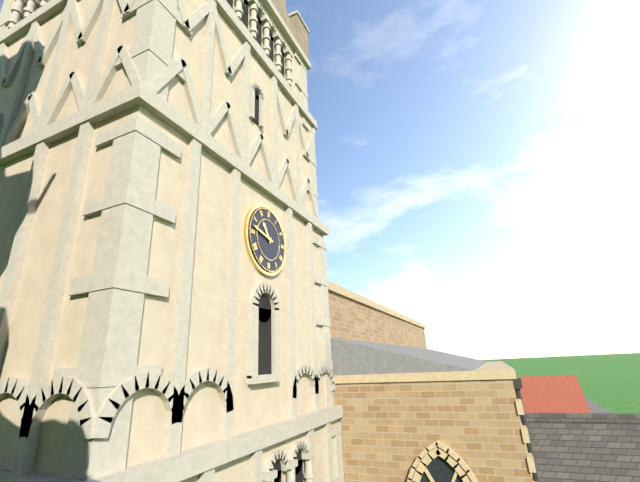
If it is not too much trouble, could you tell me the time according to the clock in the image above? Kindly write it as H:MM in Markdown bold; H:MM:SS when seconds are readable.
**10:47**
